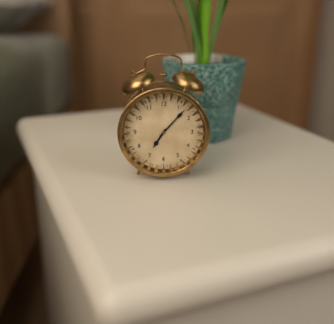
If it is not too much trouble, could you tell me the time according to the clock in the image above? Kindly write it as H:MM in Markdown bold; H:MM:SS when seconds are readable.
**7:07**
